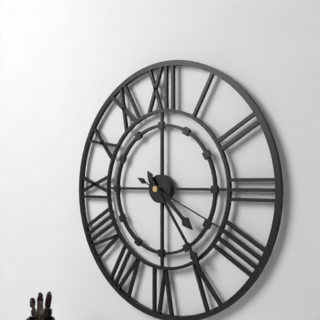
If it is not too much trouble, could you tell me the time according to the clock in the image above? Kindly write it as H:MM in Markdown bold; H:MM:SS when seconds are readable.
**4:24:19**
